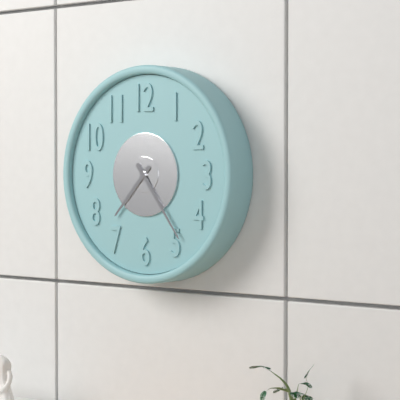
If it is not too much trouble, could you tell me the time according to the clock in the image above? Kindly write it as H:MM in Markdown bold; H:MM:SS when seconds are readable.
**7:24**
